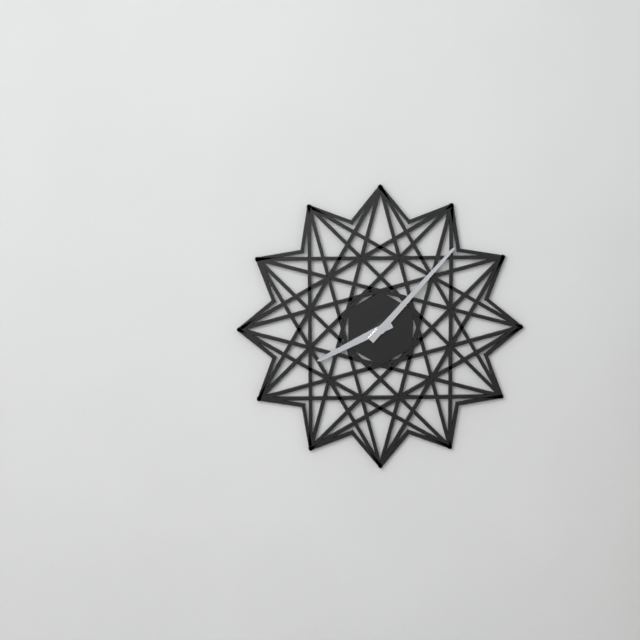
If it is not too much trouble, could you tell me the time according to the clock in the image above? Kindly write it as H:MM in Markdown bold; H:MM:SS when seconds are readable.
**8:07**
